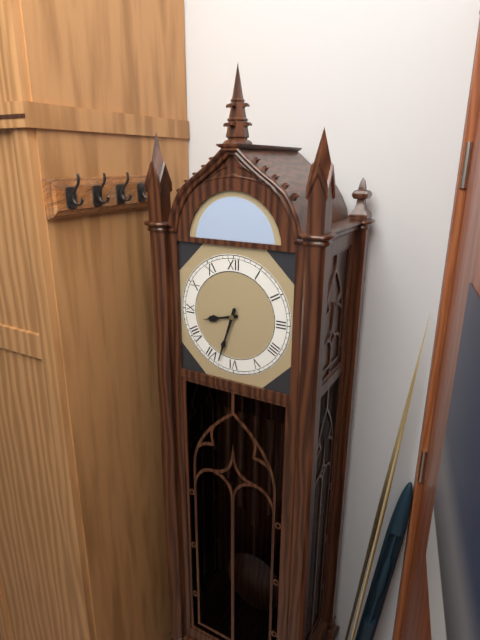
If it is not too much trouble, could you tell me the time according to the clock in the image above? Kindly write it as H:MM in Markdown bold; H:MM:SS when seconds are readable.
**8:33**
